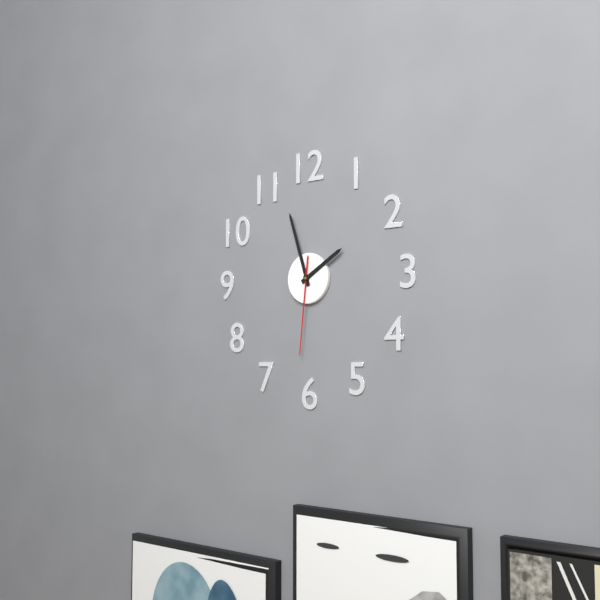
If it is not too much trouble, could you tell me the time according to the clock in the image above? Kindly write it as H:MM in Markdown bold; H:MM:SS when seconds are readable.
**1:57:31**
